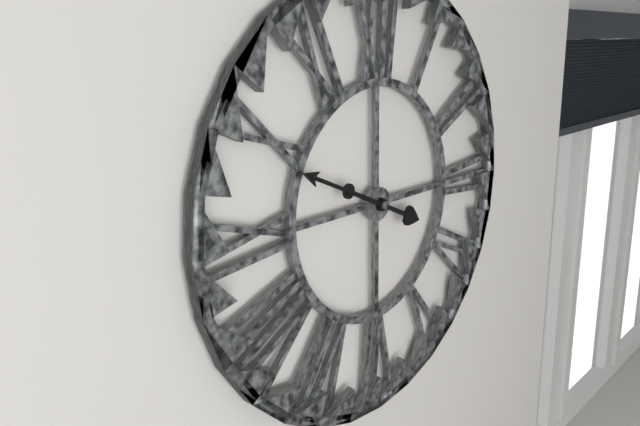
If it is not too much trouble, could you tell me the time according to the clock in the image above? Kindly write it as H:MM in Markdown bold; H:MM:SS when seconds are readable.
**3:49**
